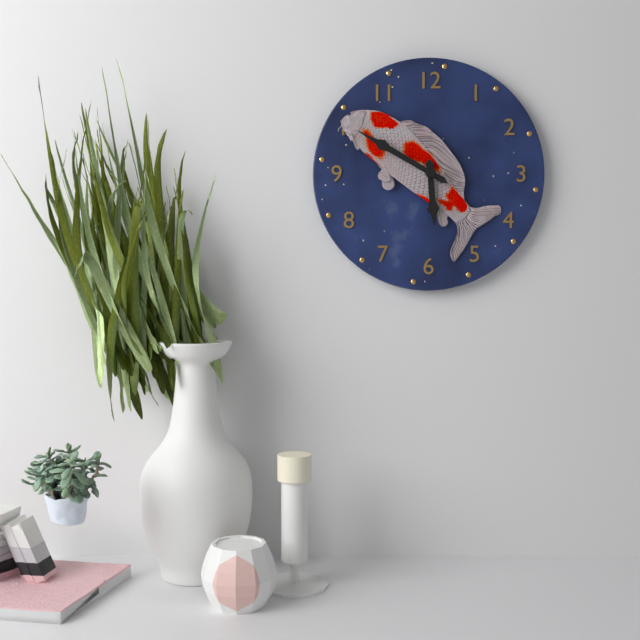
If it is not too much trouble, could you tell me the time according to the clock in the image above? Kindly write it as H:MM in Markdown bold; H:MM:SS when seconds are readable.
**5:50**
